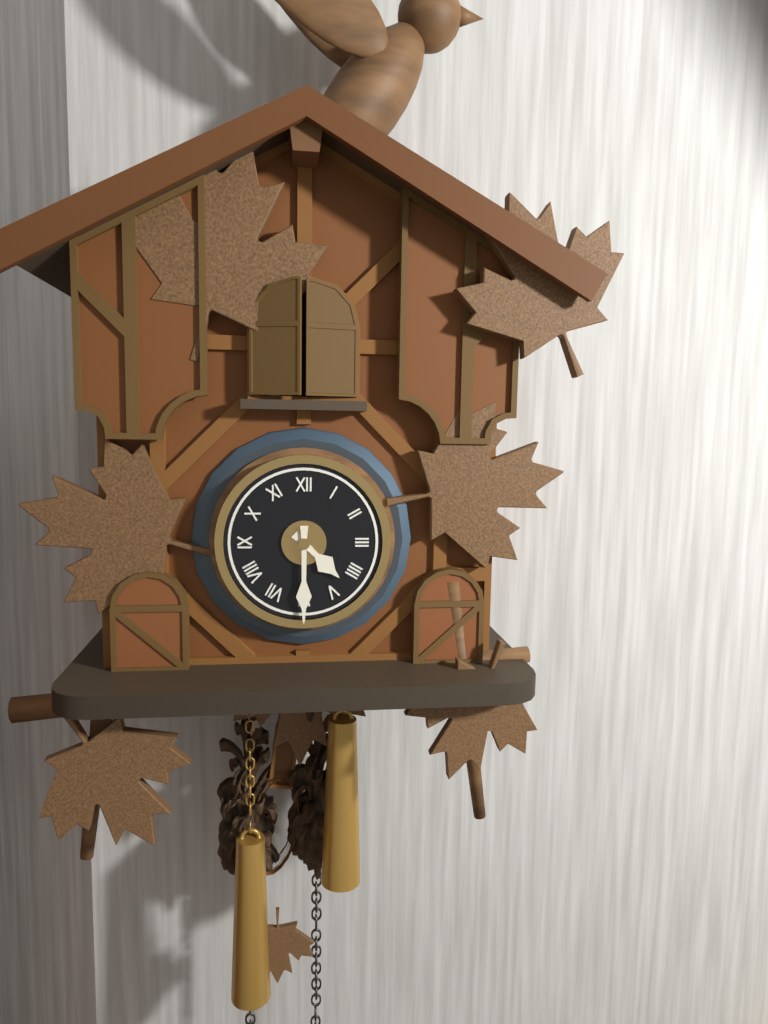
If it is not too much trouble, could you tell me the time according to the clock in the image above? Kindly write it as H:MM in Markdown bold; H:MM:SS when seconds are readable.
**4:30**
